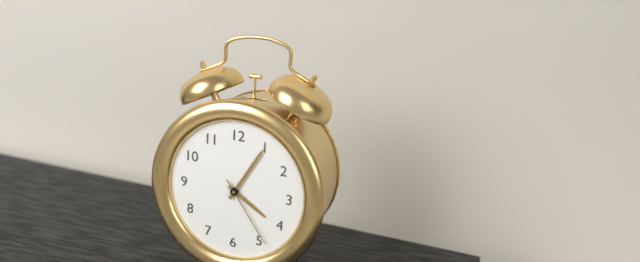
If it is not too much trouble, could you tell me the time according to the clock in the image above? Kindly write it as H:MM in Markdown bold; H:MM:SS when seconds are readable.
**4:05:24**
